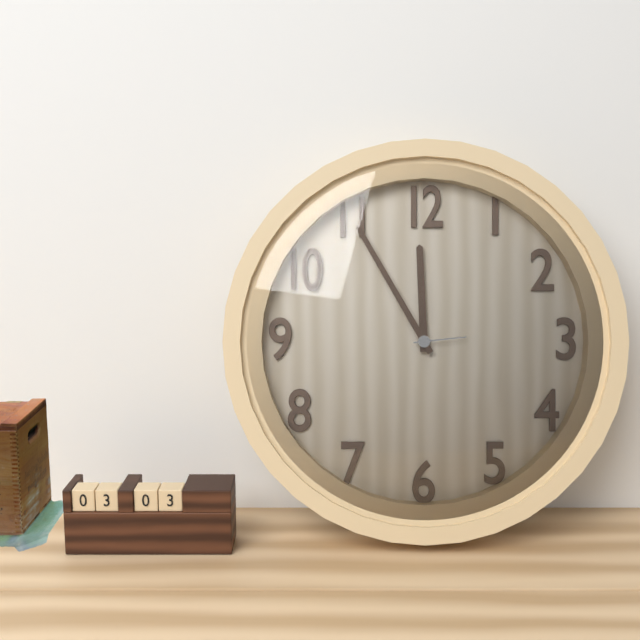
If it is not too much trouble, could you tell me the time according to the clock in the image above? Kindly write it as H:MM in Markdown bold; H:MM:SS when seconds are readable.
**11:55:14**
